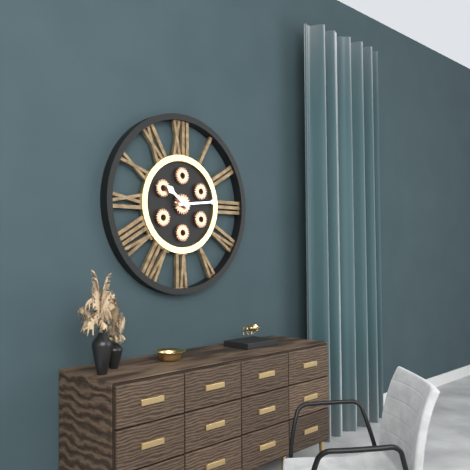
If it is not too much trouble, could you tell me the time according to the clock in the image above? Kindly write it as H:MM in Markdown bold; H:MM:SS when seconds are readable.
**10:14**
